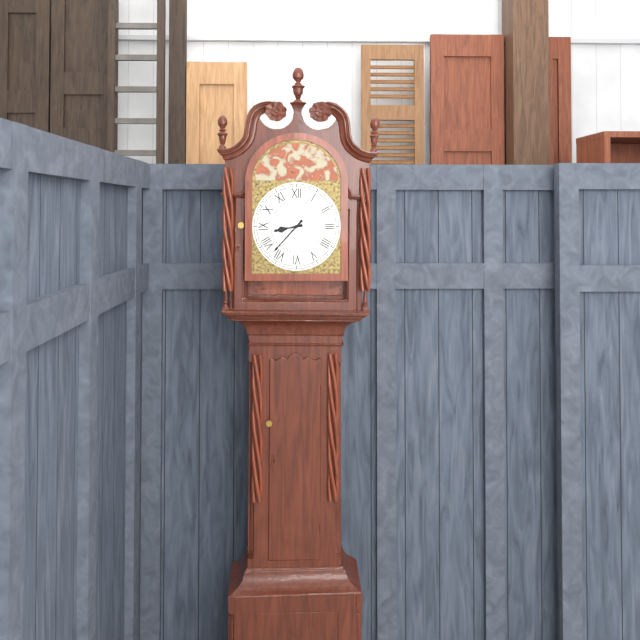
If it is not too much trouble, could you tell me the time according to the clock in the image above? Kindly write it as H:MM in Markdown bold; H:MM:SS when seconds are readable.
**8:37**
